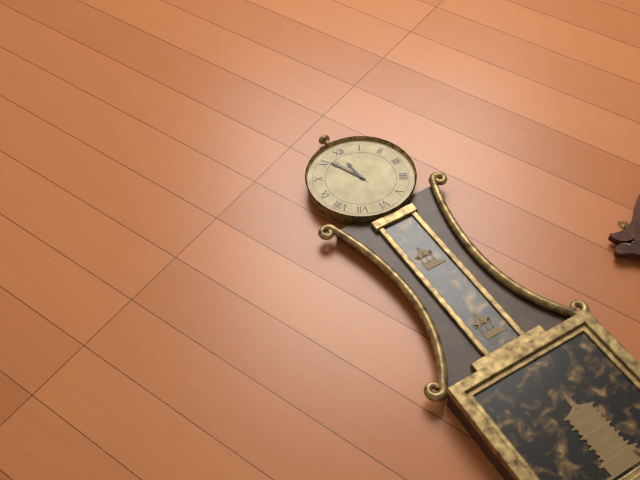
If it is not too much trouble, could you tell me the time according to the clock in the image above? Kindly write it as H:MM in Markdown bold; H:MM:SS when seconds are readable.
**11:56**
